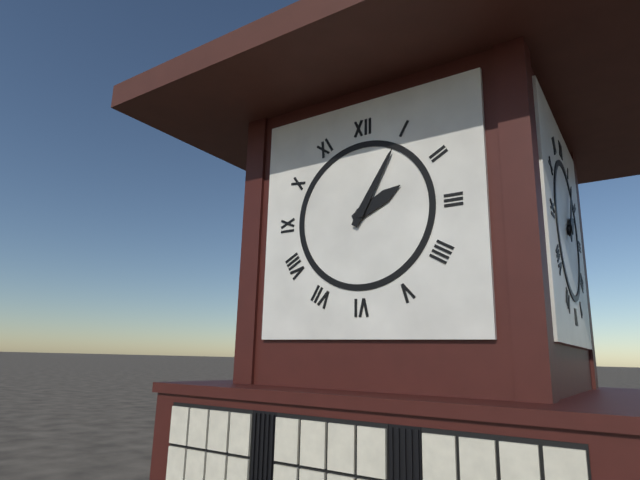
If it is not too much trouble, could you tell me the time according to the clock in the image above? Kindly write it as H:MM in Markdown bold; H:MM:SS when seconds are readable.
**2:05**
